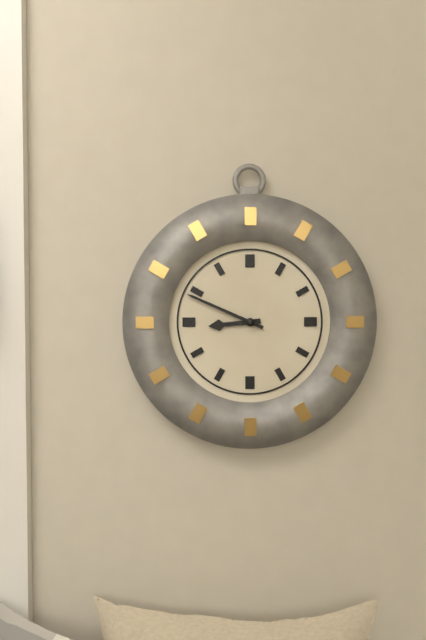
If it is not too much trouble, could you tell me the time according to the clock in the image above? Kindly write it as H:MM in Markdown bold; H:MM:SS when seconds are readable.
**8:49**
